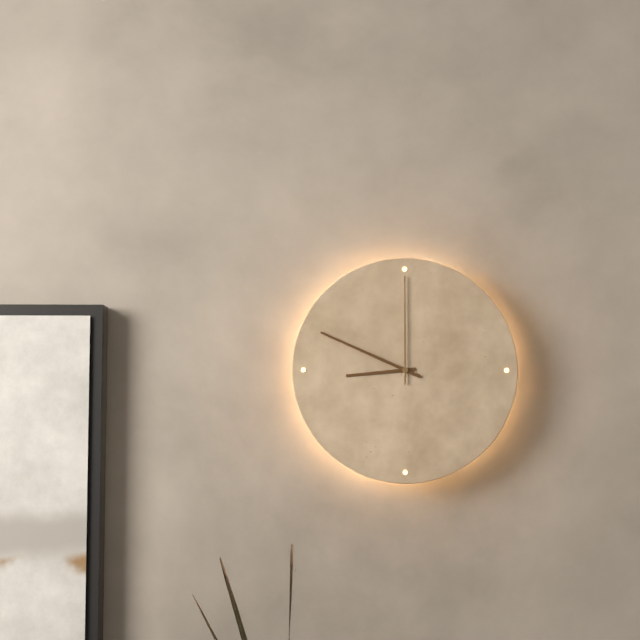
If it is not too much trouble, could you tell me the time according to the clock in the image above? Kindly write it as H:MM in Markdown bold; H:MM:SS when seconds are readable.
**8:49:00**
